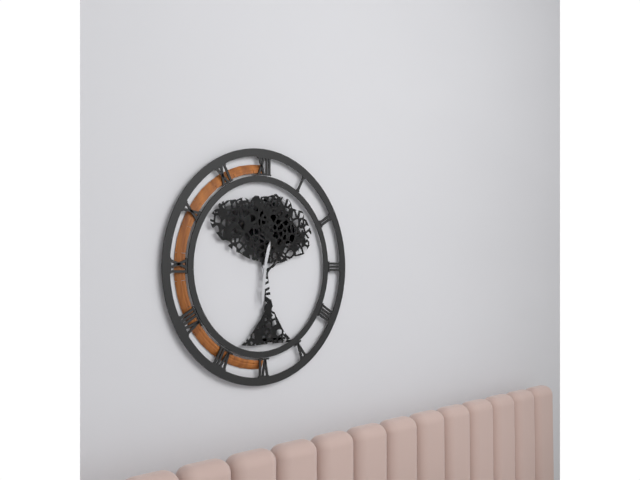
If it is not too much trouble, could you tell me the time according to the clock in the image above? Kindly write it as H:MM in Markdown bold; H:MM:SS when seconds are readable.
**12:31**
